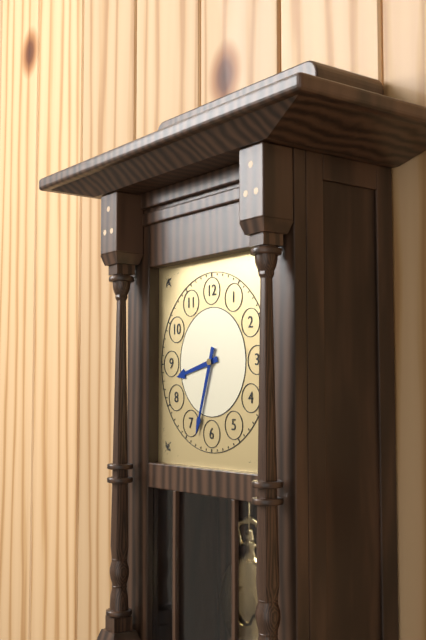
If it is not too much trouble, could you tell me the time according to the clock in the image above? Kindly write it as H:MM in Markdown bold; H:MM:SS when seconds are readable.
**8:33**
